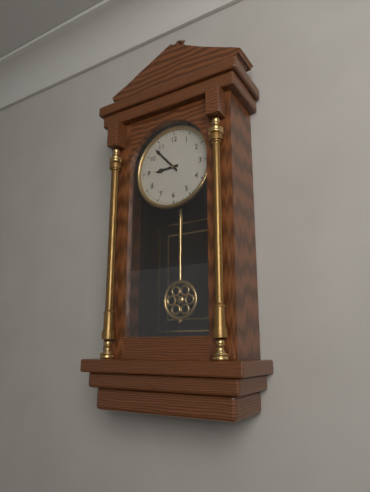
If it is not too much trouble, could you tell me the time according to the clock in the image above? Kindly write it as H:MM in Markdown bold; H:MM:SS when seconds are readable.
**8:53**
